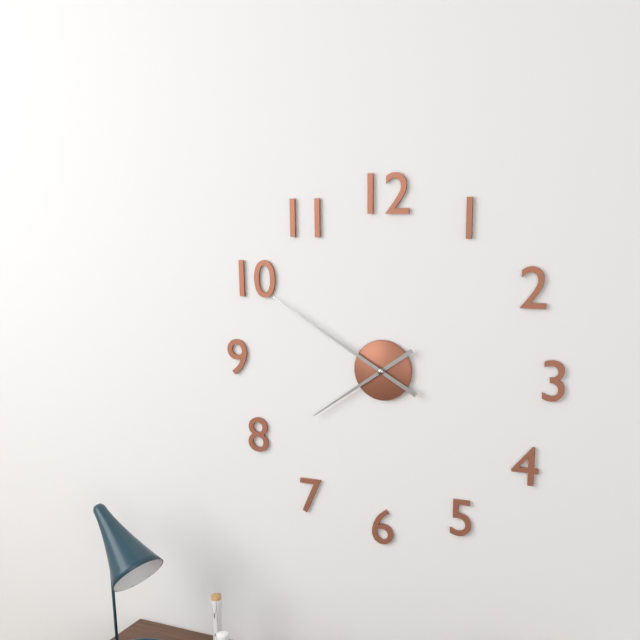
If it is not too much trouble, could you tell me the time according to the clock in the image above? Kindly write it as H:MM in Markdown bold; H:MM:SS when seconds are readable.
**7:50**
